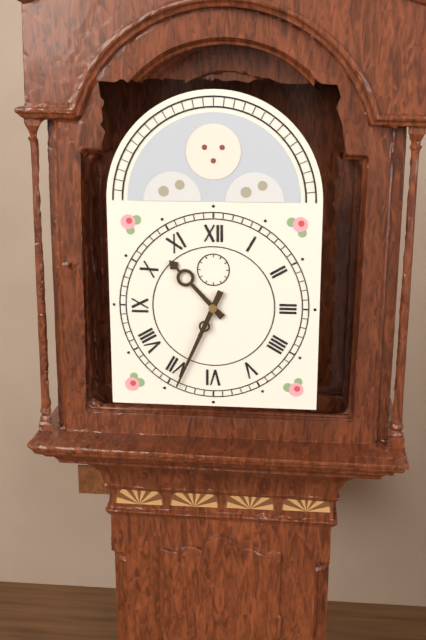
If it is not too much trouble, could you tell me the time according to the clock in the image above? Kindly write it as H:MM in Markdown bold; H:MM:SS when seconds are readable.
**10:34**
